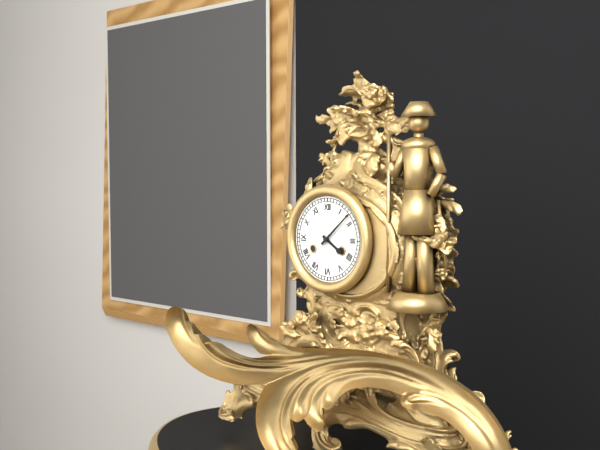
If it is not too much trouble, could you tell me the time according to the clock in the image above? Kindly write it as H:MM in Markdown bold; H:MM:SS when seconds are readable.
**4:08**
